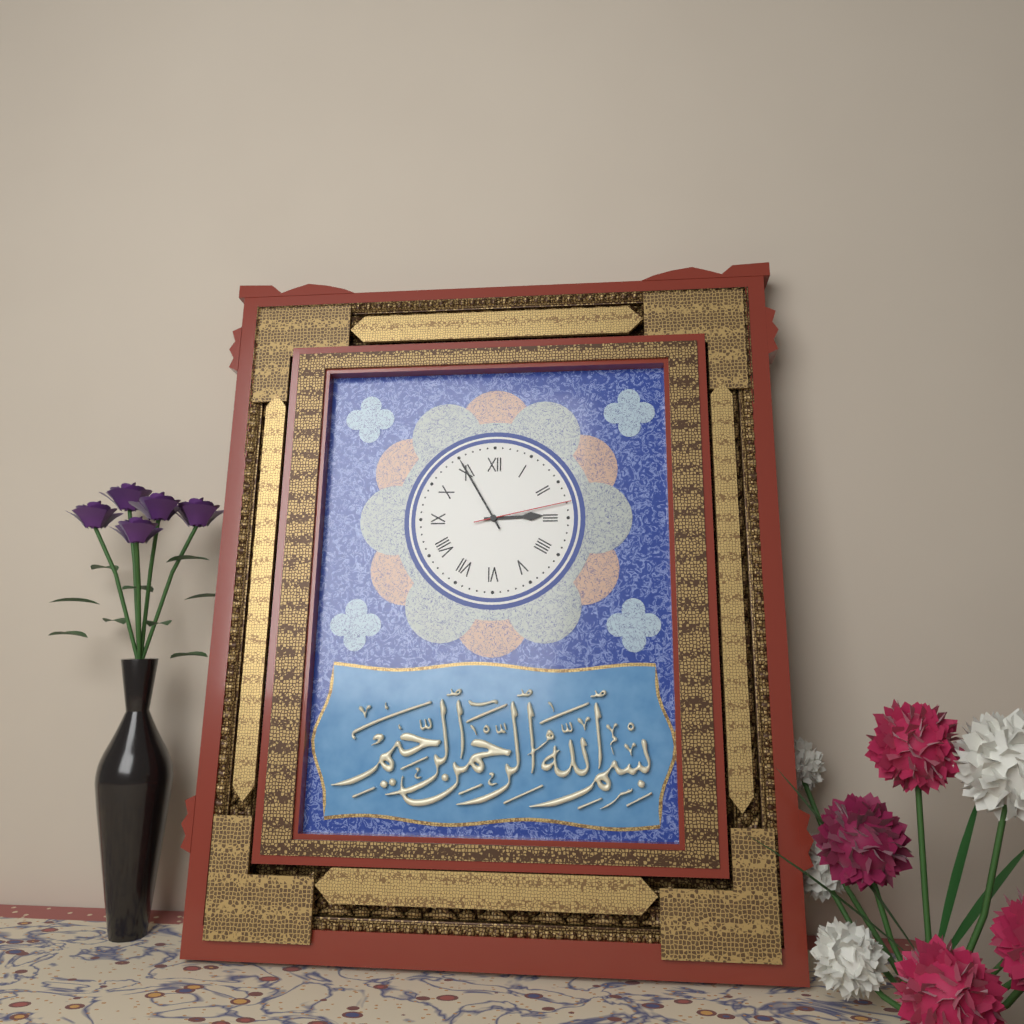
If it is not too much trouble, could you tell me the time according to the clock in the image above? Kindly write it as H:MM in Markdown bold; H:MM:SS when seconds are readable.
**2:55:13**
